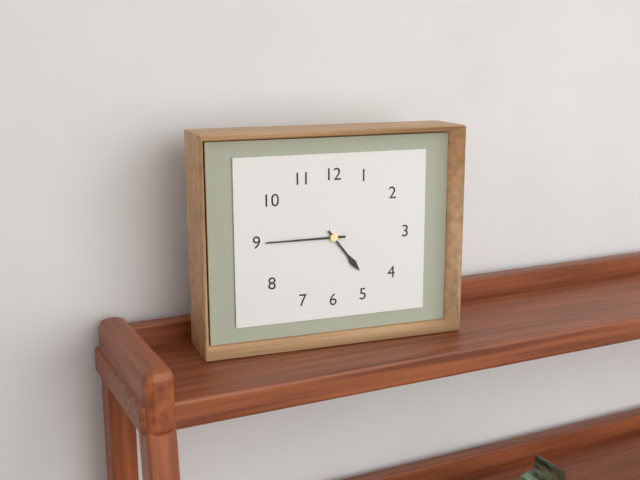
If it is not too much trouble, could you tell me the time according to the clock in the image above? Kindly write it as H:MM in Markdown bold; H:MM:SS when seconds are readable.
**4:45**
